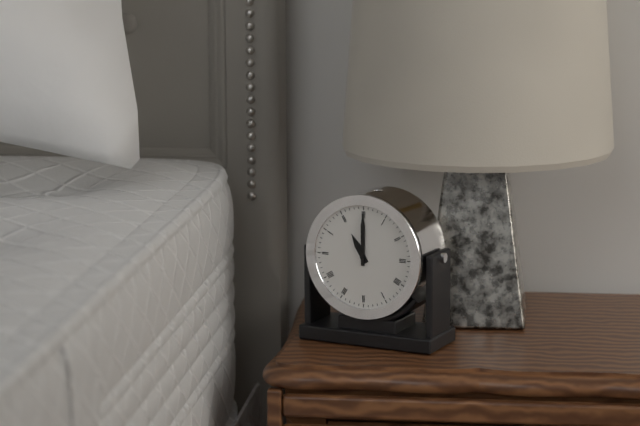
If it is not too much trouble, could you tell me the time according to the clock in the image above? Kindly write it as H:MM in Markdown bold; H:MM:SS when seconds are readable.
**11:00**
